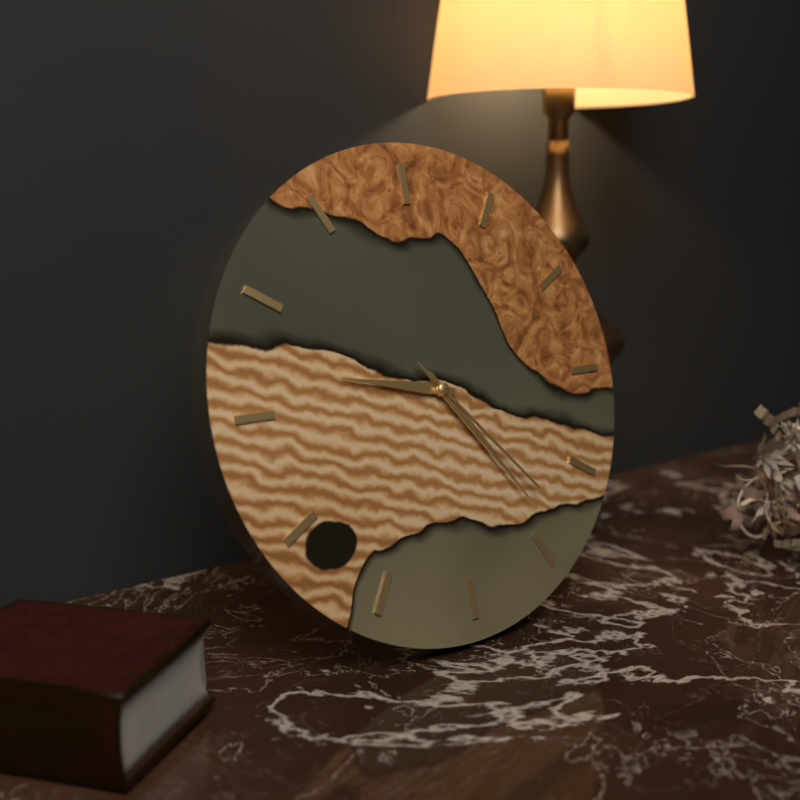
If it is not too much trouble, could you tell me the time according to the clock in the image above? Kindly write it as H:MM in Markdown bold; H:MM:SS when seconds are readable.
**9:24:23**
